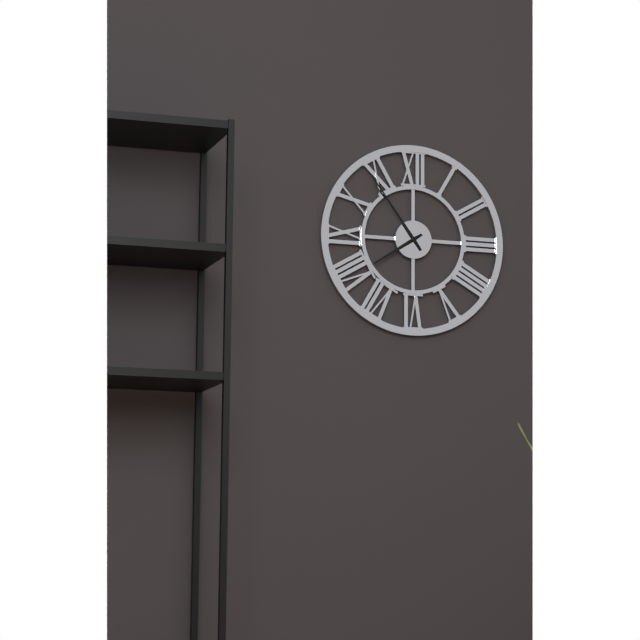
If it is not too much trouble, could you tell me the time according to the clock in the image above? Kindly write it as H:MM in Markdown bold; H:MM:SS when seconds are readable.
**7:54**
